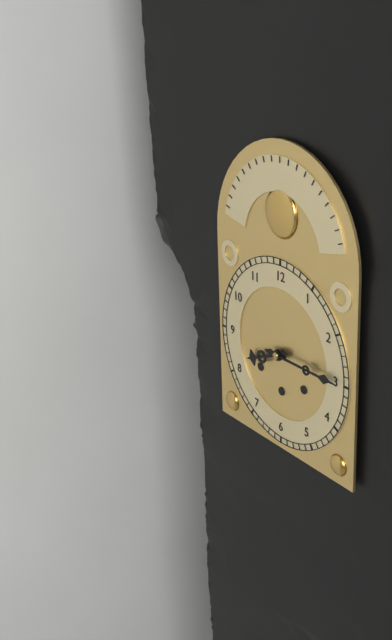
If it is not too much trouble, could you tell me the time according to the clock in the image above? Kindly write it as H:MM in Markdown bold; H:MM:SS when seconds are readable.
**8:15**
